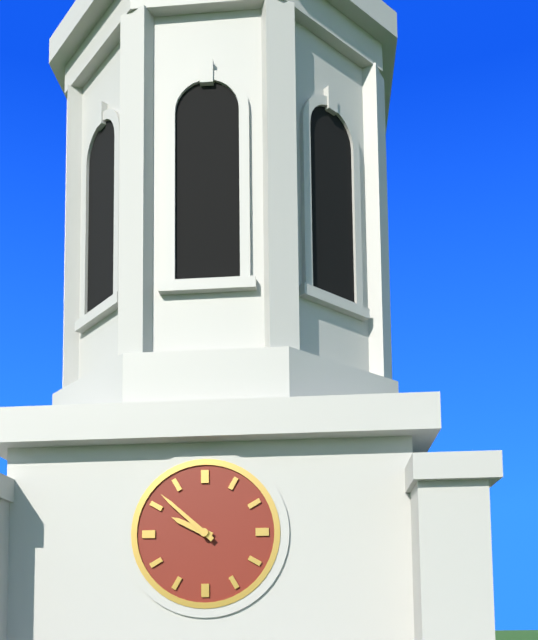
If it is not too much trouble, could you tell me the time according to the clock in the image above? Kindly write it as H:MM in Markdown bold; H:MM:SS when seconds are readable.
**9:52**
